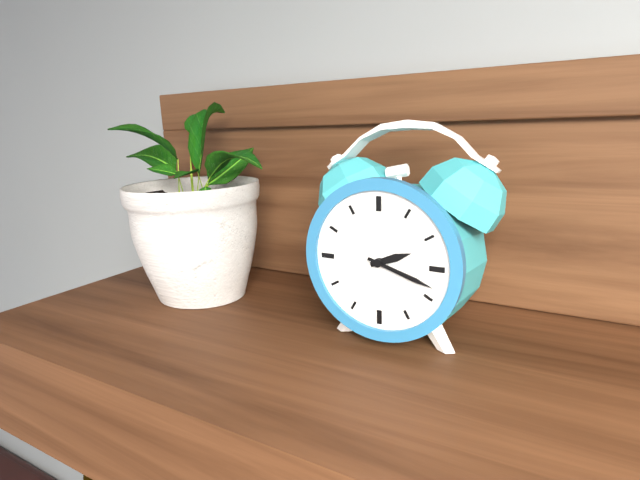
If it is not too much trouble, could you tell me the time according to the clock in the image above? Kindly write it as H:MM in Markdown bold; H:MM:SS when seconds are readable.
**2:18**
